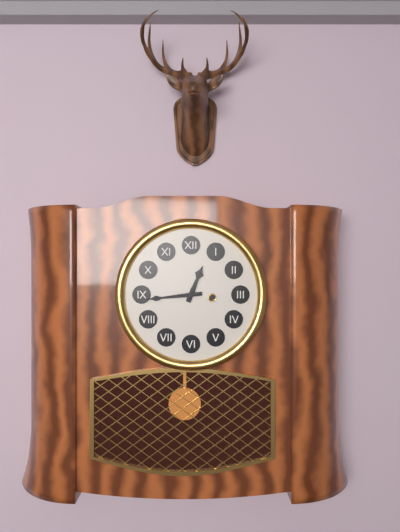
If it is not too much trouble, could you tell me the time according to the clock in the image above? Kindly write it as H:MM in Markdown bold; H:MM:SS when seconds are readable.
**12:44**
